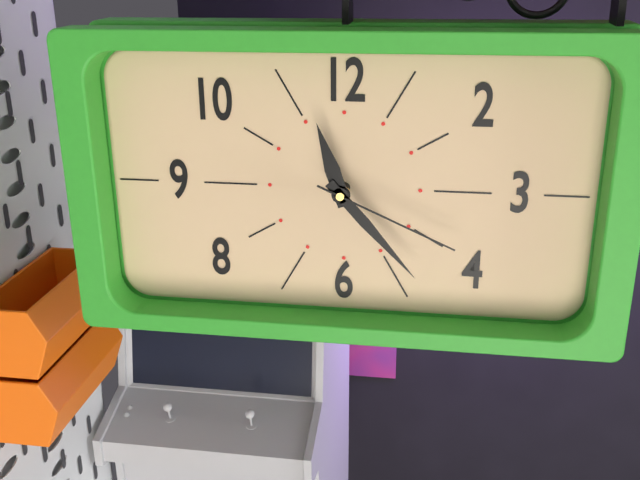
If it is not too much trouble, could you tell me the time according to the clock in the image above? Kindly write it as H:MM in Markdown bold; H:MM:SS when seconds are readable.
**11:23:19**
